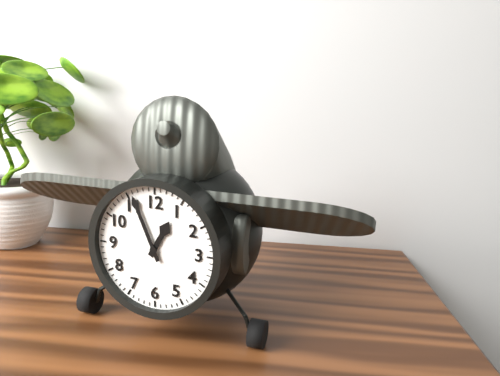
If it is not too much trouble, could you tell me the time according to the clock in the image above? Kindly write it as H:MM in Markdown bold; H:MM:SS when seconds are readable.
**12:56**
